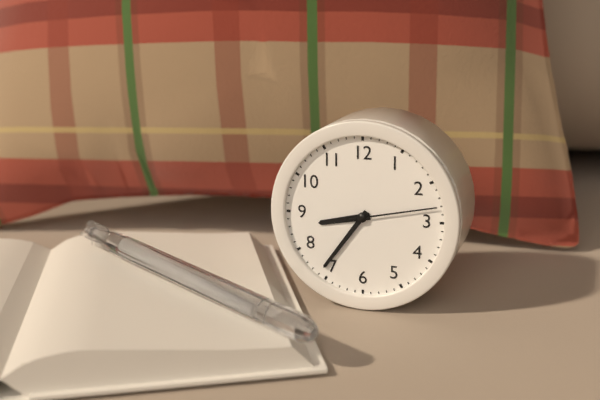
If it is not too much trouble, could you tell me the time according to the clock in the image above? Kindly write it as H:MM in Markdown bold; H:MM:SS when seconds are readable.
**8:36:13**
